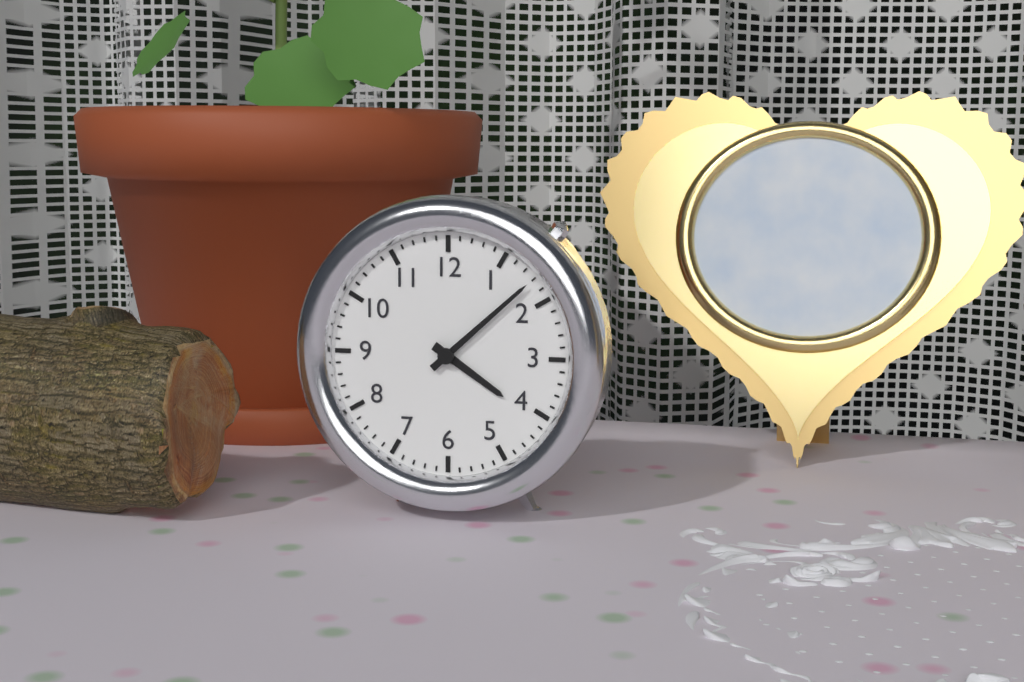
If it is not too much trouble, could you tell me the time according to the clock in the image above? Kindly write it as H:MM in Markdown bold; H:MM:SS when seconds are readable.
**4:08**
